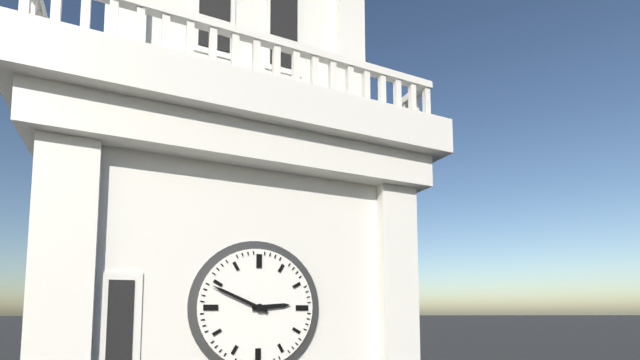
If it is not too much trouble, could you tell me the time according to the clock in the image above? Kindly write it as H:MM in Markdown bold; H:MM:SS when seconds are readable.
**2:49**
